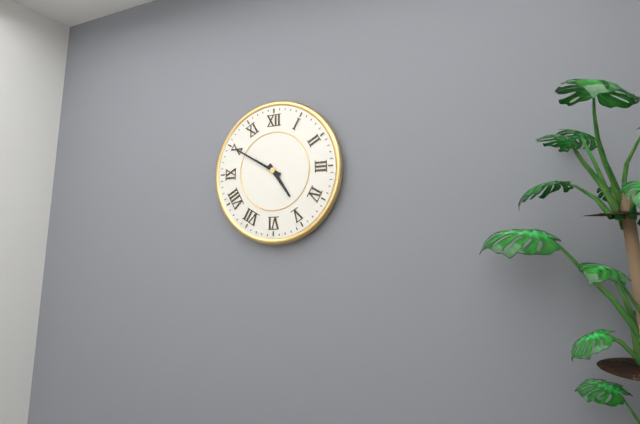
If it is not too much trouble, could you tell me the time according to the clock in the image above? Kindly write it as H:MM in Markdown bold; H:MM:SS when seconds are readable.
**4:50**
